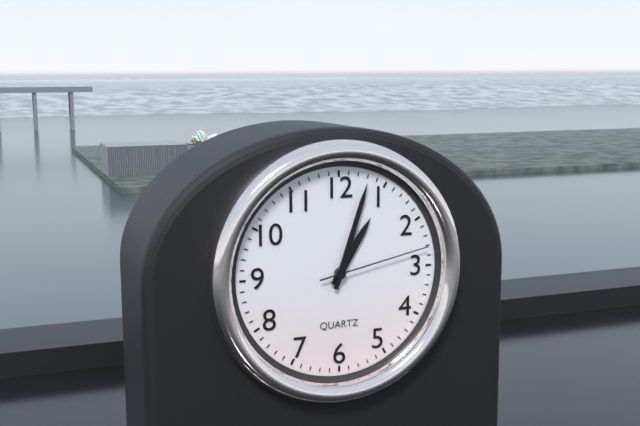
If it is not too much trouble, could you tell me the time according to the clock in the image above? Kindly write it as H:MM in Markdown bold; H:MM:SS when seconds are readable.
**1:03:13**
